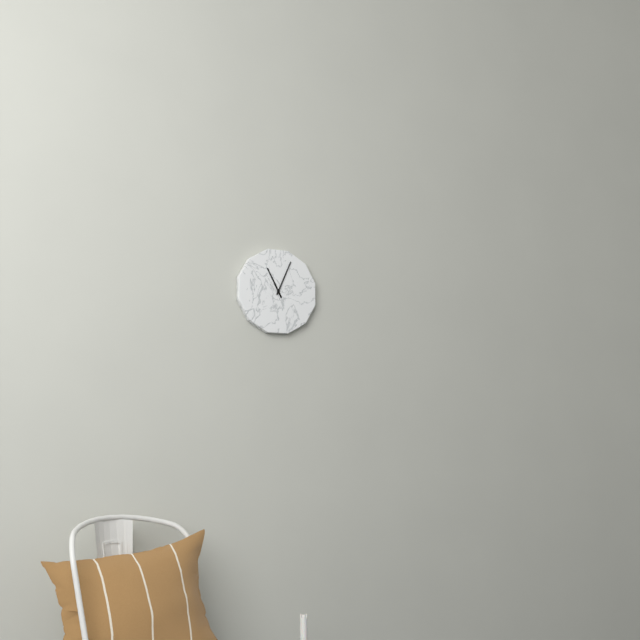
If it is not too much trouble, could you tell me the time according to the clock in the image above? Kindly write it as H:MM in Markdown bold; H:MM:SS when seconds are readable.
**11:04**
